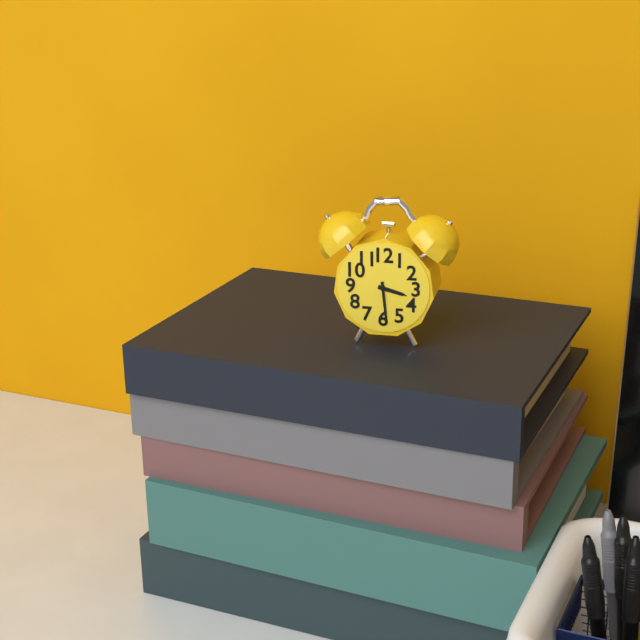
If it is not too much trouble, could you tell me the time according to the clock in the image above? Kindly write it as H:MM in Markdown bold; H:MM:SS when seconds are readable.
**3:29**
